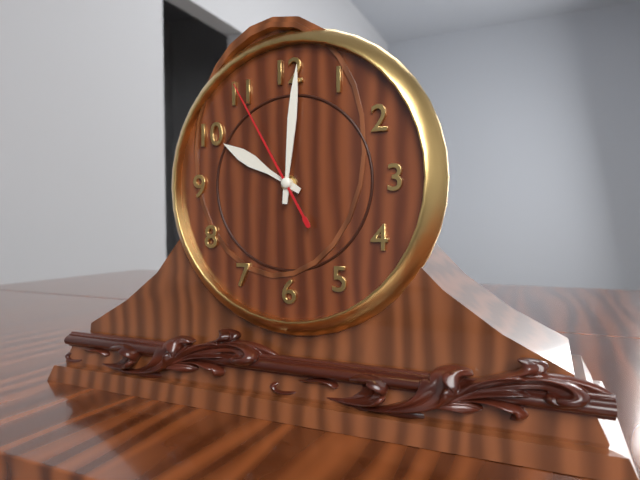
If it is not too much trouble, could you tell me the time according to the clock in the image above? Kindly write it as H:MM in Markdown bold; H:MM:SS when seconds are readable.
**10:01:55**
